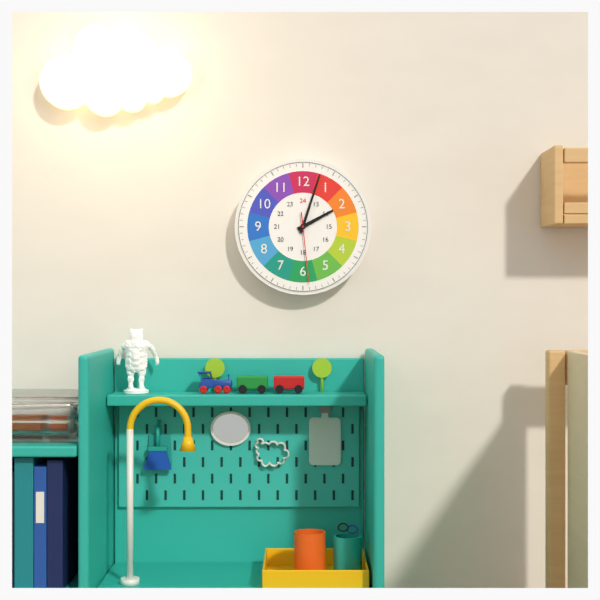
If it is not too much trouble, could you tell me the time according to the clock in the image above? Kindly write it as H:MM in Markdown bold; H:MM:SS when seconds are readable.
**2:03:29**
